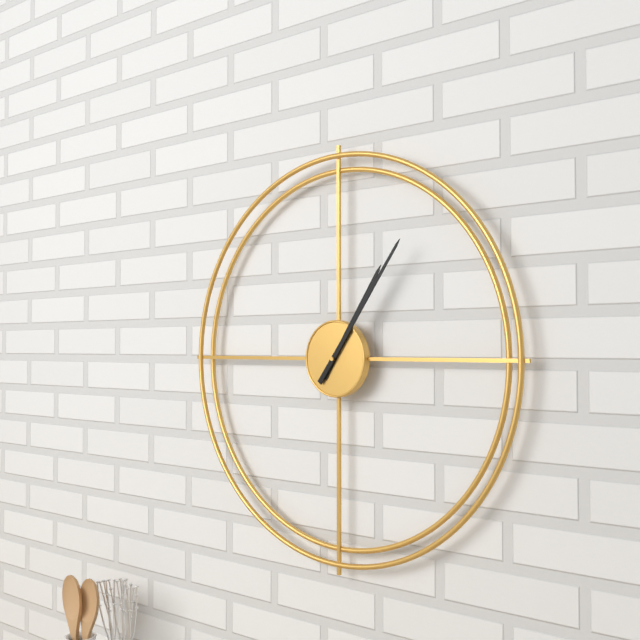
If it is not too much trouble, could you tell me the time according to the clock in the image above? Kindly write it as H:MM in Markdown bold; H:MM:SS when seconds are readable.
**1:06**
